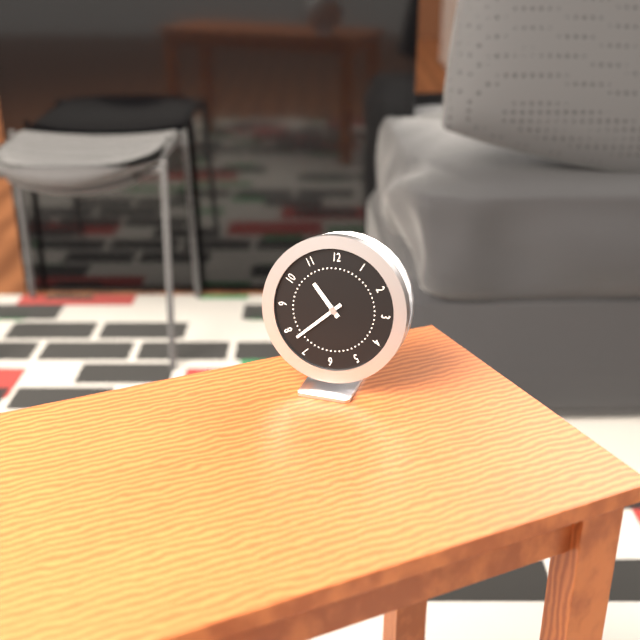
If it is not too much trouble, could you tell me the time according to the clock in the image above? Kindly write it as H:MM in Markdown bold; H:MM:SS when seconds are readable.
**10:38**
